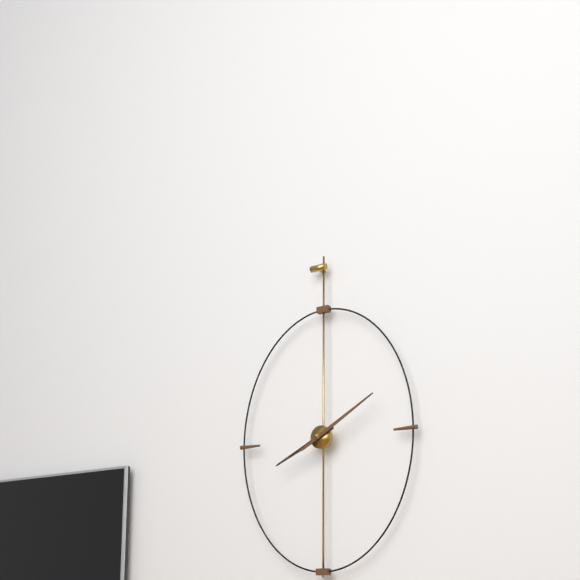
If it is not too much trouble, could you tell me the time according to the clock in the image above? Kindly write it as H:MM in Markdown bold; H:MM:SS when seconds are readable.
**8:10**
